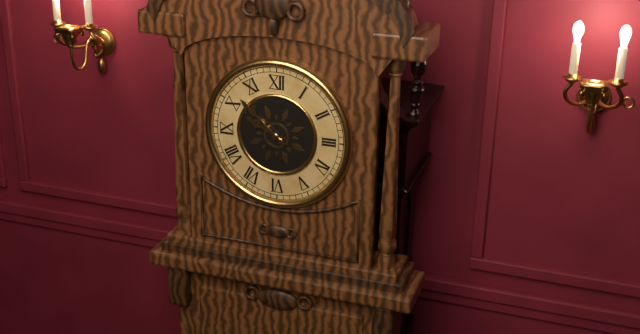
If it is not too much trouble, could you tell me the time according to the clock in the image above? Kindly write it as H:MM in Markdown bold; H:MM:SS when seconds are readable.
**9:52**
